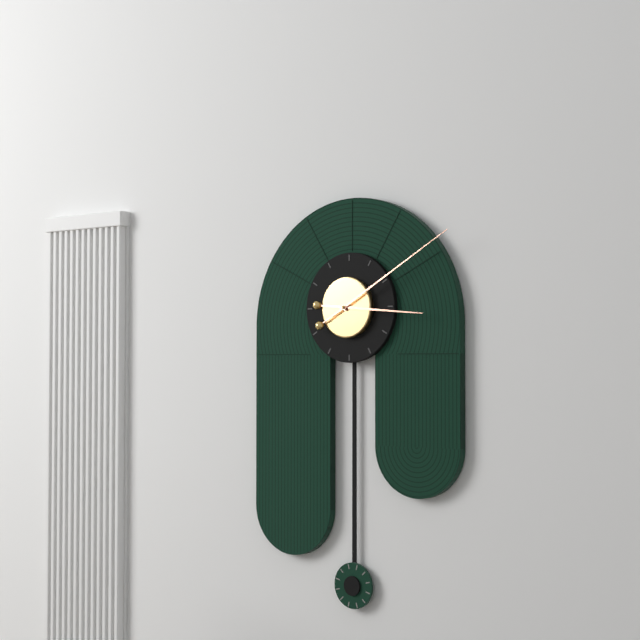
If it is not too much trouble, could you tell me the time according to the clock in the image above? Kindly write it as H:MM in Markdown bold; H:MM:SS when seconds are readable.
**3:10**
